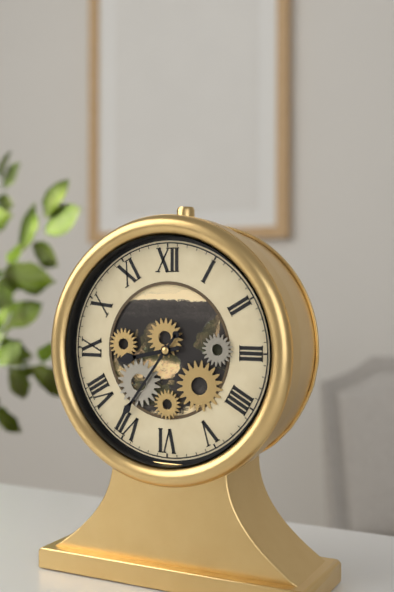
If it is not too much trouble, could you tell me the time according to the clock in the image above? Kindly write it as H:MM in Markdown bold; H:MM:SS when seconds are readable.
**8:36**
